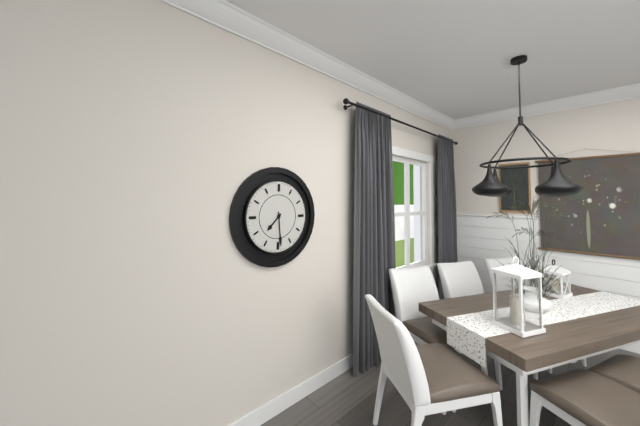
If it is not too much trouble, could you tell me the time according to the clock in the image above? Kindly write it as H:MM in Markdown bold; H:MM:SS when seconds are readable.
**7:29**
